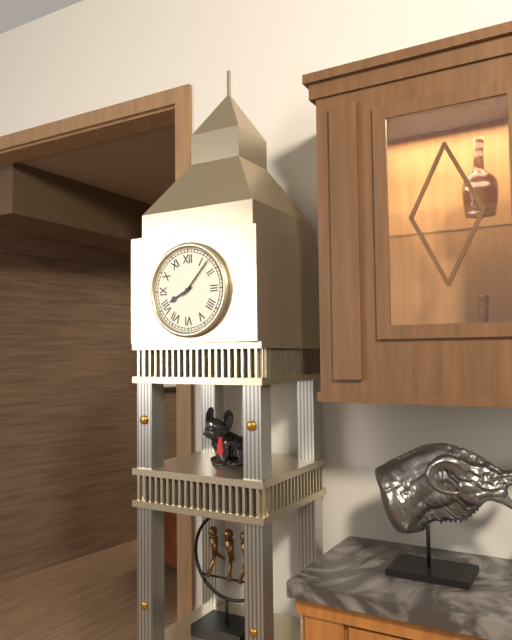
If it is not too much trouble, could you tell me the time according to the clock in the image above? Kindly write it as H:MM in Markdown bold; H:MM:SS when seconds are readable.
**8:07**
